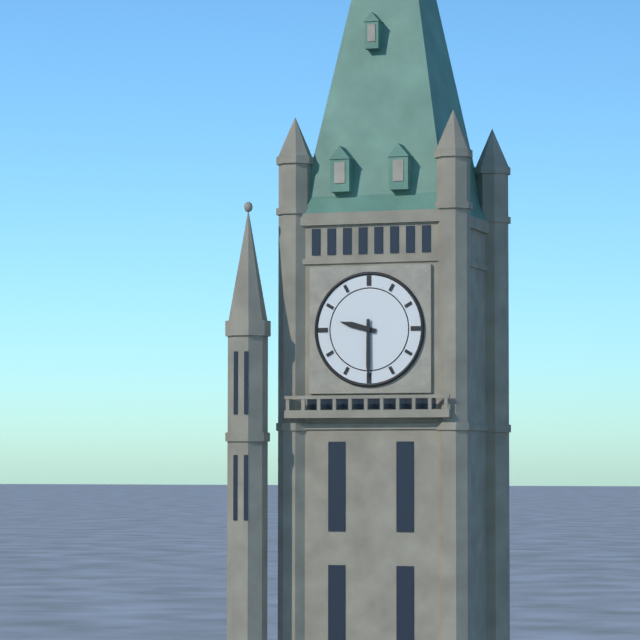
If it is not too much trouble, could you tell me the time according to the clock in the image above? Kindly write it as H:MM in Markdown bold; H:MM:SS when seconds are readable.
**9:30**
